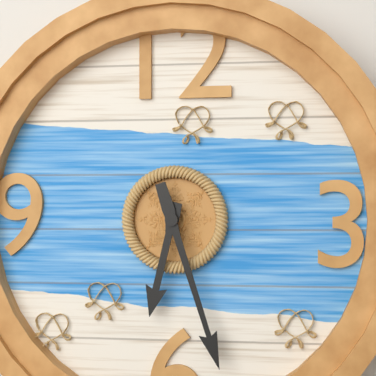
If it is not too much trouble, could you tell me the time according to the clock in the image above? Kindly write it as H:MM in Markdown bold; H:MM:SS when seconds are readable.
**6:27**
